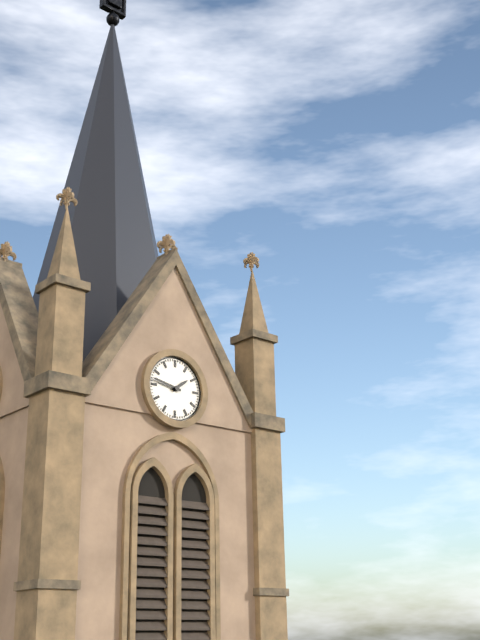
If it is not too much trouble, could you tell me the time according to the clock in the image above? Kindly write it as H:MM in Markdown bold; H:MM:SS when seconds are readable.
**1:47**
